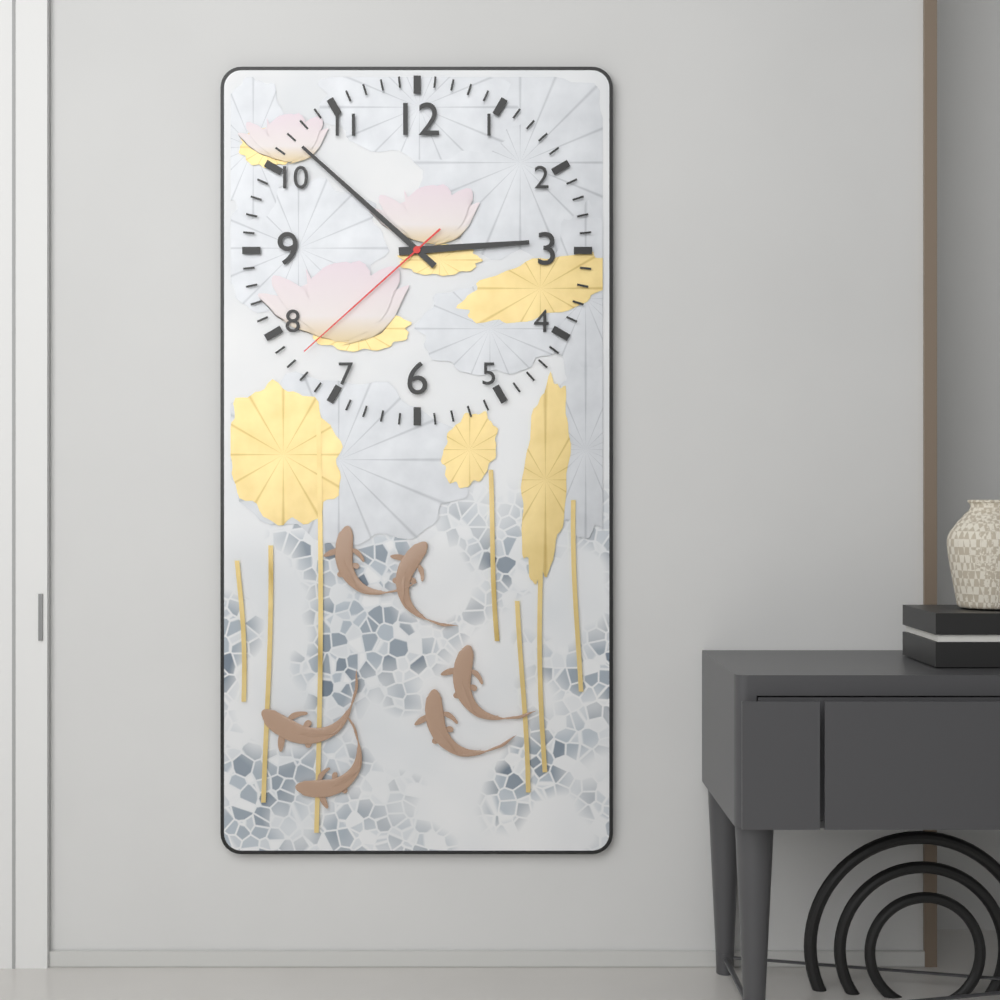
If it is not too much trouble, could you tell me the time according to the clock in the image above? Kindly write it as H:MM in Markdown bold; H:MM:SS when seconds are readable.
**2:52:38**
